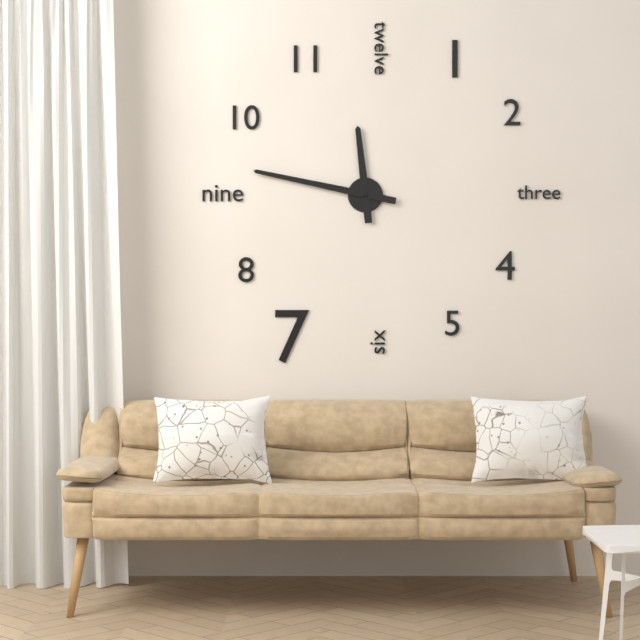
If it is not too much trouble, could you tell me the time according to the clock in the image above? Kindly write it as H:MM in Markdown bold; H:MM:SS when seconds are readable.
**11:47**
